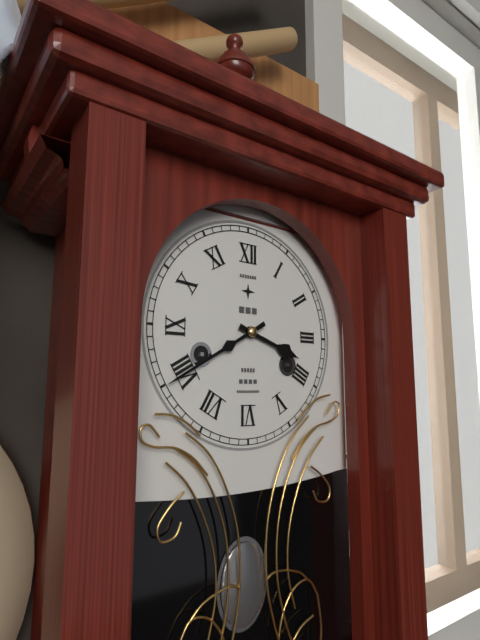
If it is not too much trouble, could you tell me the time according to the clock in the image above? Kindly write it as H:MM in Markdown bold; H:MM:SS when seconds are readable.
**3:40**
